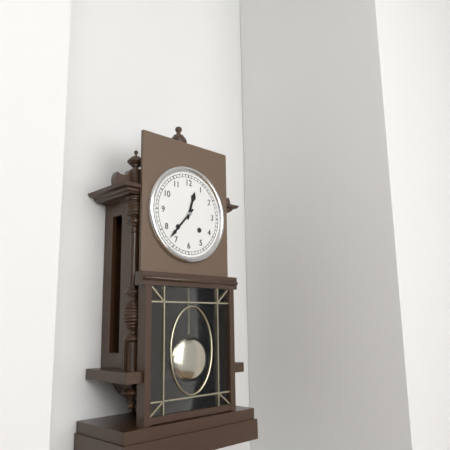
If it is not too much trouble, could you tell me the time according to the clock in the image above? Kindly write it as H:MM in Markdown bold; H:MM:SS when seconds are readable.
**12:37**
